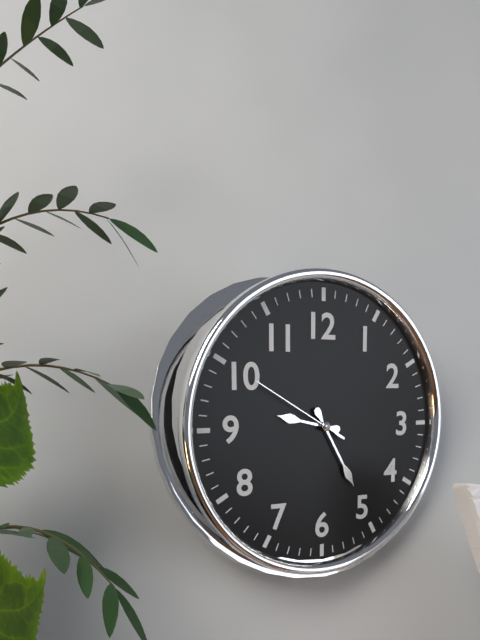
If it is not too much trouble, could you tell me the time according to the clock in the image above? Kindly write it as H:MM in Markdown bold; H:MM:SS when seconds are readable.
**9:25:50**
